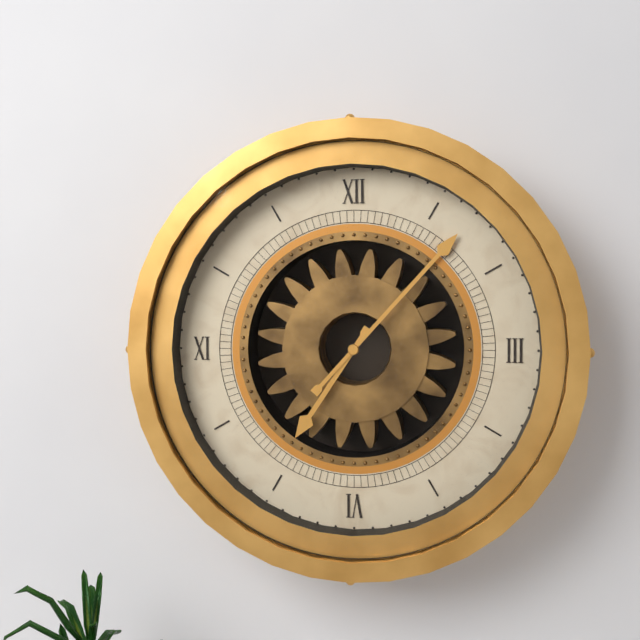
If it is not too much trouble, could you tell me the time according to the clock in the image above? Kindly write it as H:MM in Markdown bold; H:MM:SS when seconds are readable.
**7:07**
